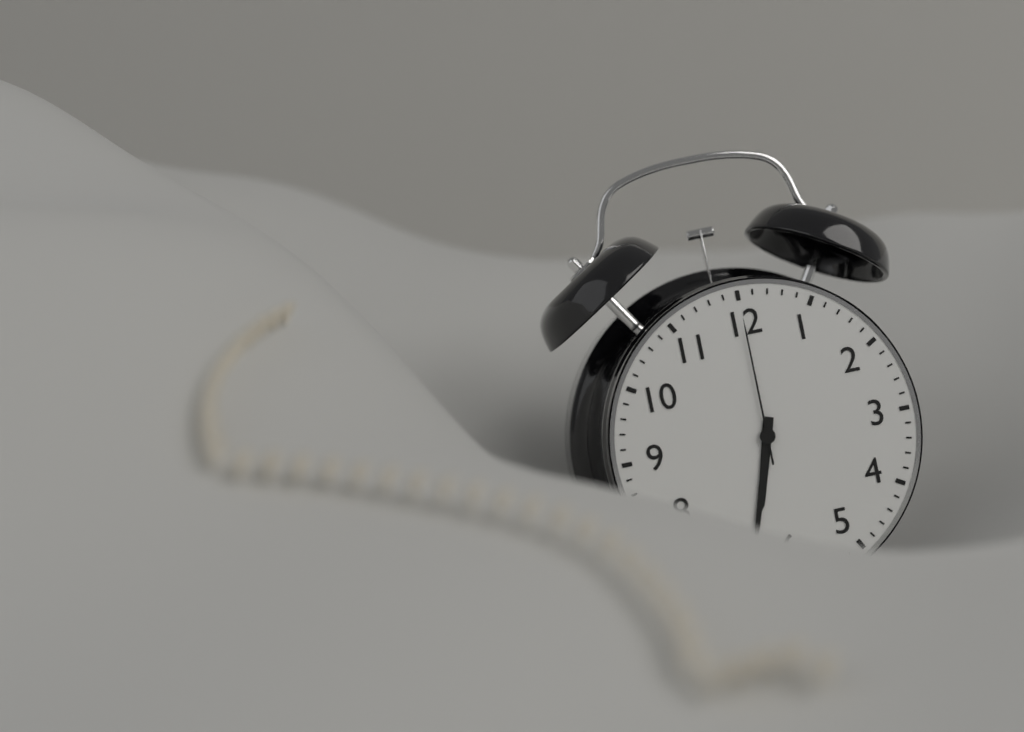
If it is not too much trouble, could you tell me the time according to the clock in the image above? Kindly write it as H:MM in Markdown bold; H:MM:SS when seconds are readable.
**6:33:00**
